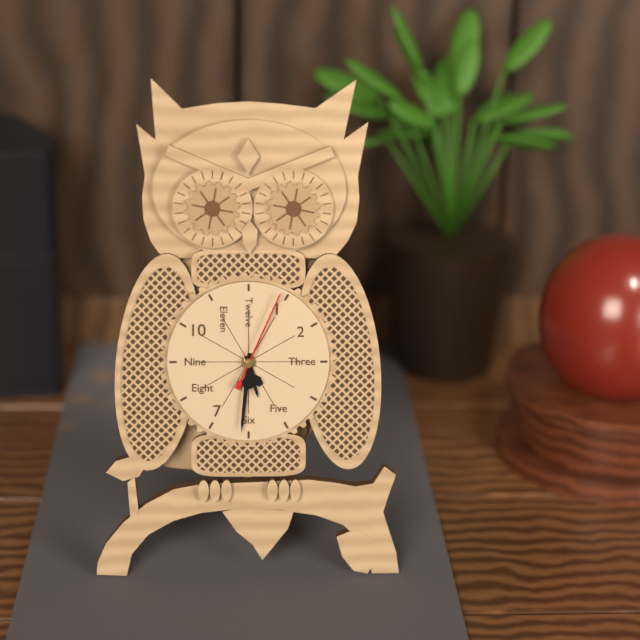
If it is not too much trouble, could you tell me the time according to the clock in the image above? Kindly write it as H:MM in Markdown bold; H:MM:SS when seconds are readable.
**5:31:04**
